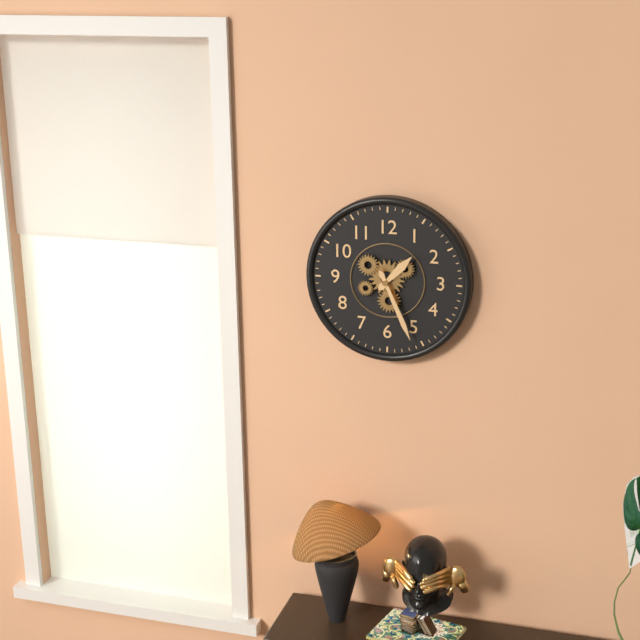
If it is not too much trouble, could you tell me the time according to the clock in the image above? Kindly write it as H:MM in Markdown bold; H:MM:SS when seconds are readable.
**1:26**
